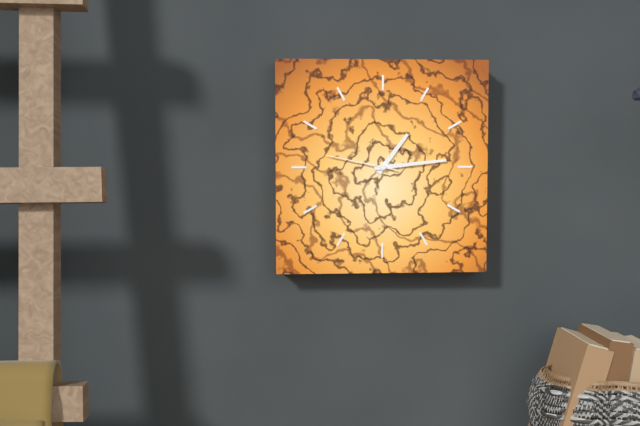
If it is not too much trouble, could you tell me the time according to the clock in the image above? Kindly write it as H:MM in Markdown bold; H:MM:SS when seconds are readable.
**1:14:47**
